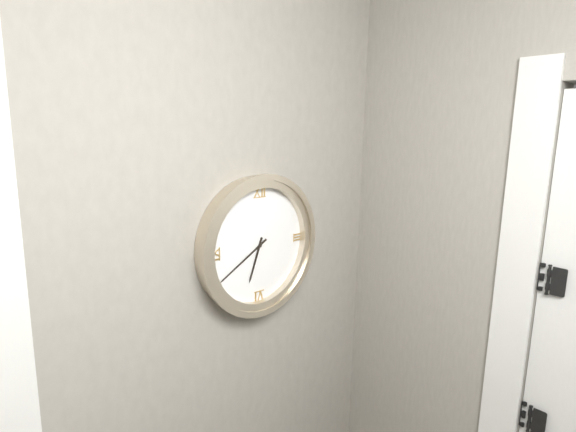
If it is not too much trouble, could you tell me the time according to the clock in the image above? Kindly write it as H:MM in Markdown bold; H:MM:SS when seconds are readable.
**6:40**
